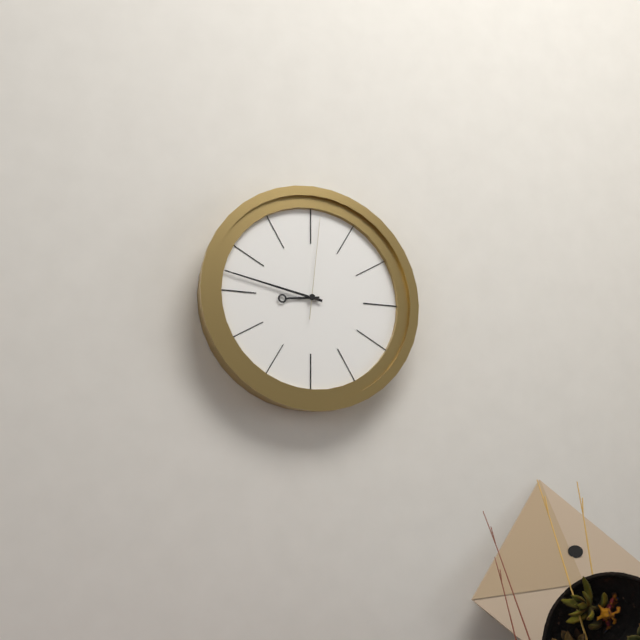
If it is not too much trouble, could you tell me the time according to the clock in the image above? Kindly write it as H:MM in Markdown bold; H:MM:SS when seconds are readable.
**8:47:01**
